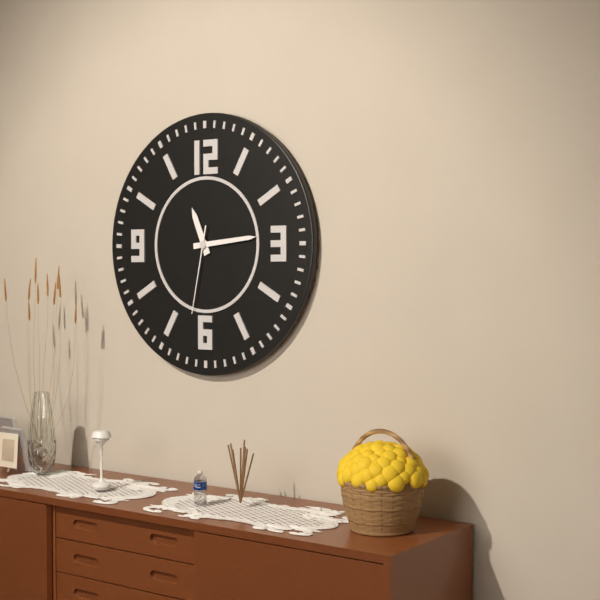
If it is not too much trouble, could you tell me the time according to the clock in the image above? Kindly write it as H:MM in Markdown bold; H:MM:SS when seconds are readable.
**11:14:32**
